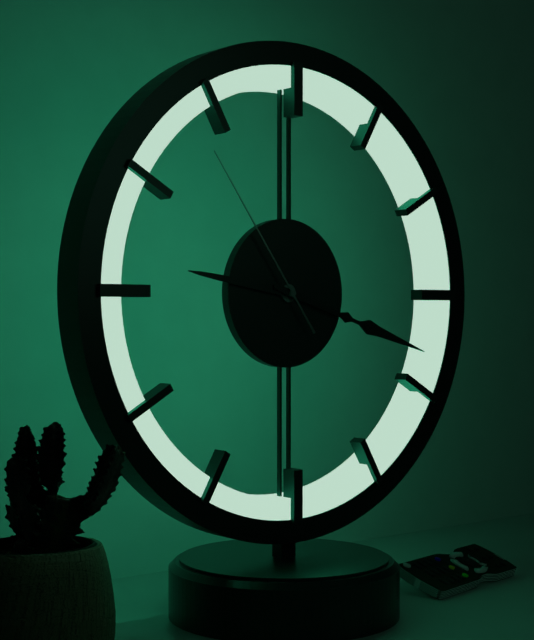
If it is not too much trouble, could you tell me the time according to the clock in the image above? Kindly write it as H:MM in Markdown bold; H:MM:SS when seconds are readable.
**9:18:54**
